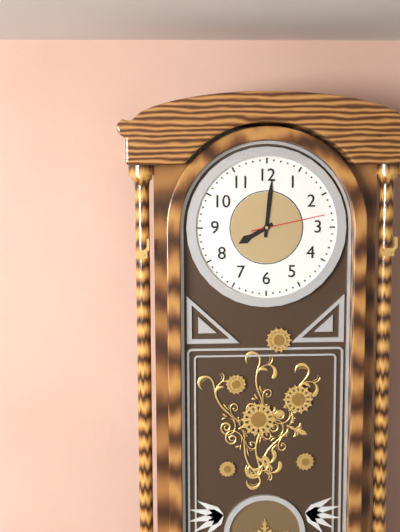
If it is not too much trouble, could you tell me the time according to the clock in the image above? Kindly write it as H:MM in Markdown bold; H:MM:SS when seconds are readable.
**8:01:13**
